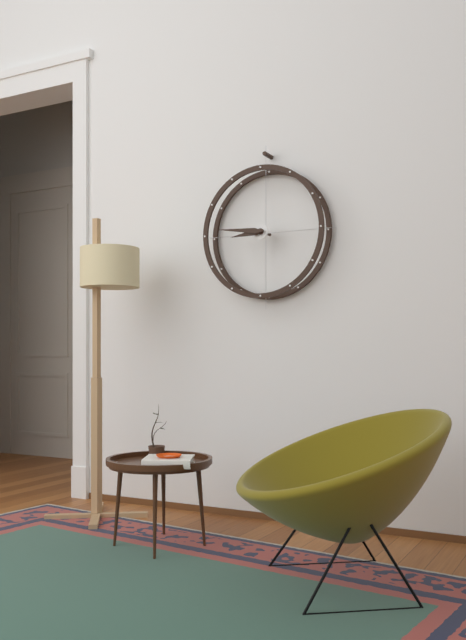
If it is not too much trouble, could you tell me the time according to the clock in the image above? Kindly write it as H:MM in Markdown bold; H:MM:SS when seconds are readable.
**8:46**
